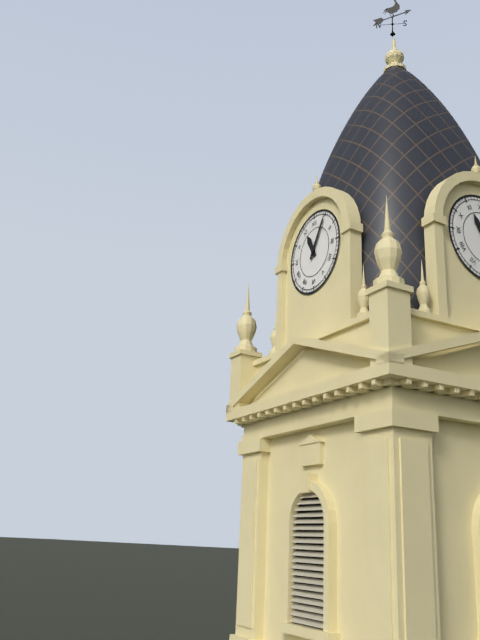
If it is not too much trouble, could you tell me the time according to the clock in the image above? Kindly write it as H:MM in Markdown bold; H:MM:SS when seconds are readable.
**11:05**
